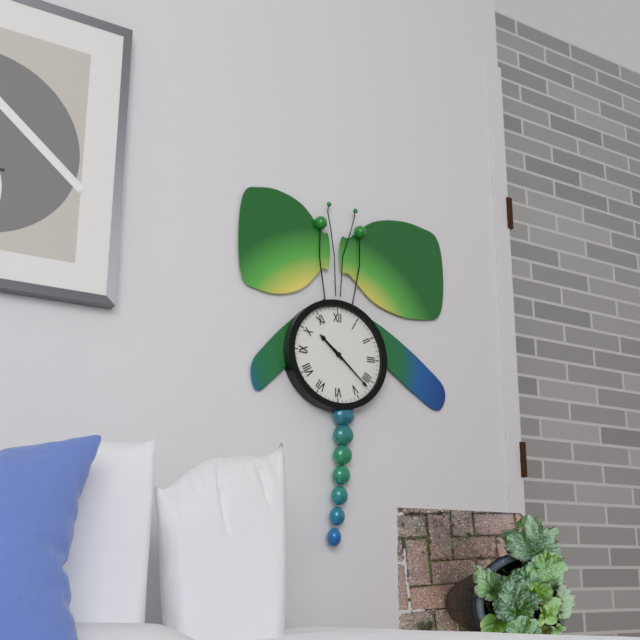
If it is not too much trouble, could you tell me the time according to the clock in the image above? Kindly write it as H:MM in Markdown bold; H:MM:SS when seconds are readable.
**10:22**
